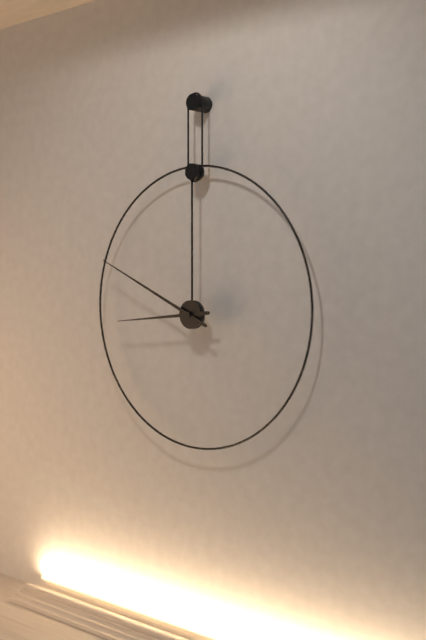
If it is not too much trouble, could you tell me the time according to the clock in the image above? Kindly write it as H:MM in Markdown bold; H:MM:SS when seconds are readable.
**8:49**
